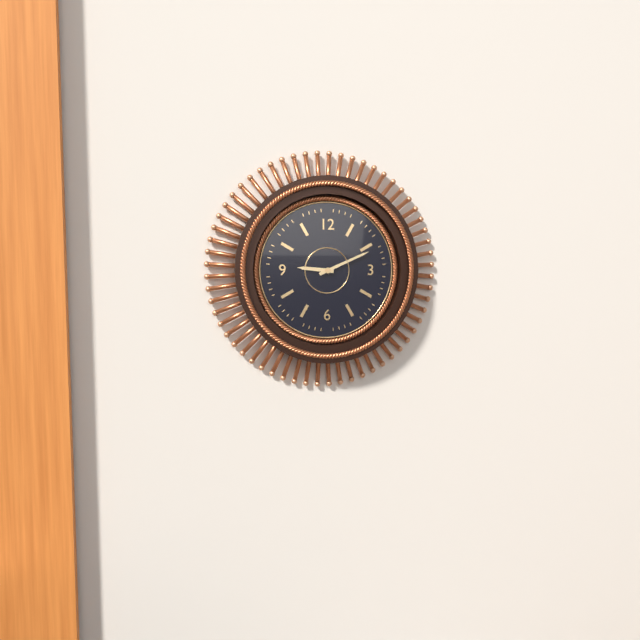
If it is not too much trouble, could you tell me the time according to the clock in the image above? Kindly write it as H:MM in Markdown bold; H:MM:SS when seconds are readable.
**9:11**
